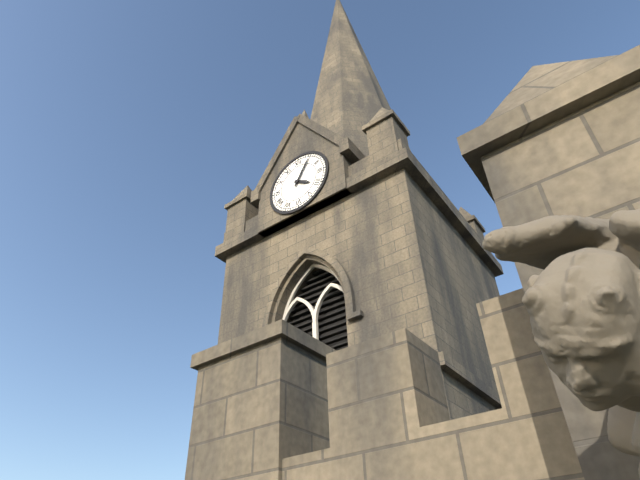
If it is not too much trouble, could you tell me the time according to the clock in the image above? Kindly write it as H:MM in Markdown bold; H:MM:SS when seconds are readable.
**4:05**
